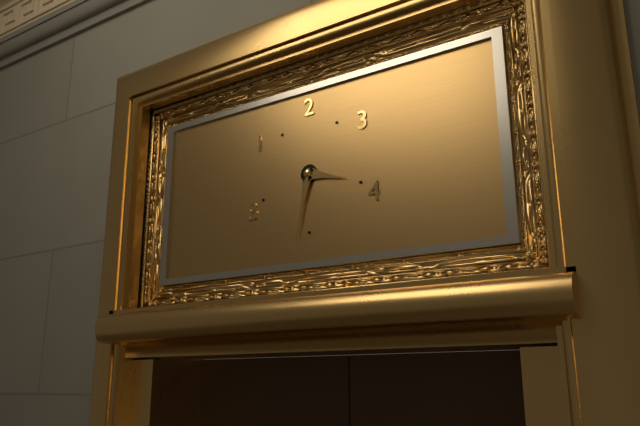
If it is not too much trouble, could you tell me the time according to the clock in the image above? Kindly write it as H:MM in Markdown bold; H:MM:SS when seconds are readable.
**3:32**
